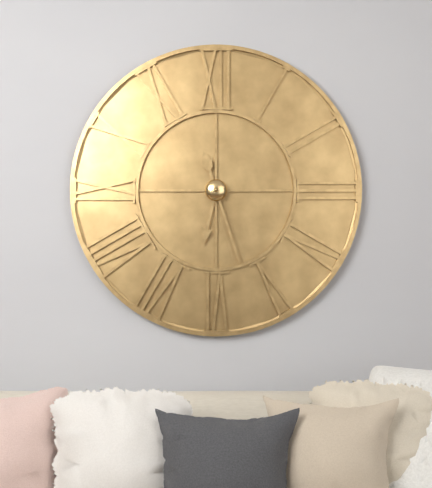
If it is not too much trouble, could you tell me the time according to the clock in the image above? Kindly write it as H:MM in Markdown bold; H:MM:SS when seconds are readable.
**6:27**
